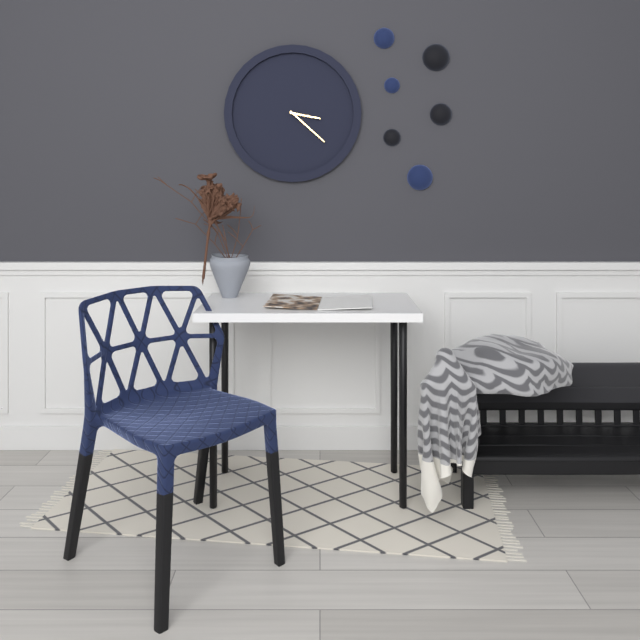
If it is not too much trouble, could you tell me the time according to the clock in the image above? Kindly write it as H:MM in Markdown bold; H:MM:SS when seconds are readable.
**3:22**
